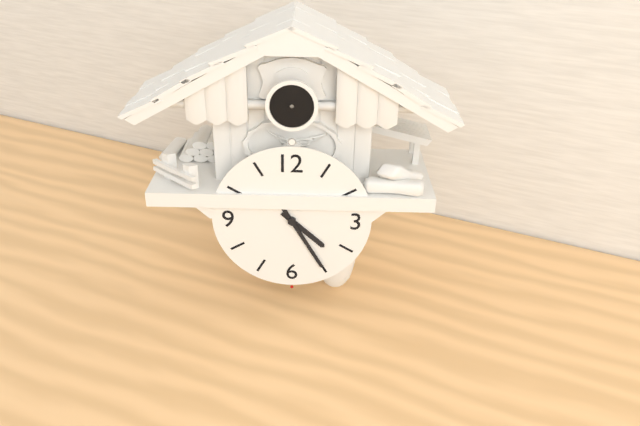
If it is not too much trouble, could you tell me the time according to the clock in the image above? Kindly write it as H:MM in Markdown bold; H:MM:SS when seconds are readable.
**4:25**
